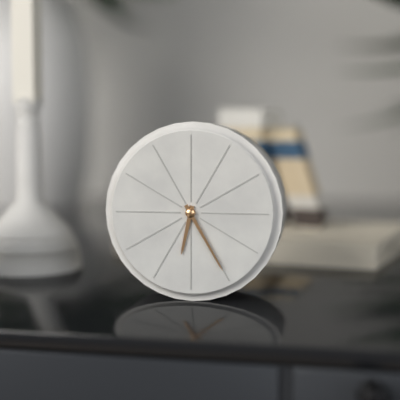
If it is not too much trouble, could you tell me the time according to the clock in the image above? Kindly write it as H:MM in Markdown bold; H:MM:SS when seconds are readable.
**6:25**
